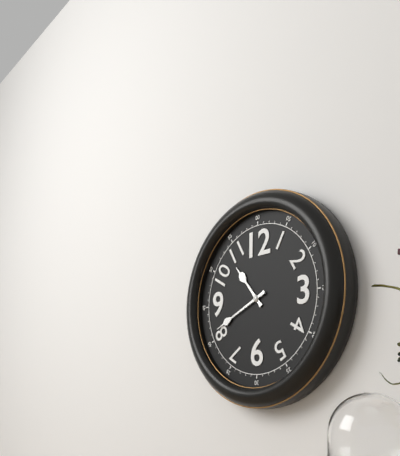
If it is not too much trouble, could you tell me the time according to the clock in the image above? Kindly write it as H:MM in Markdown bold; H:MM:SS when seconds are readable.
**10:41**
